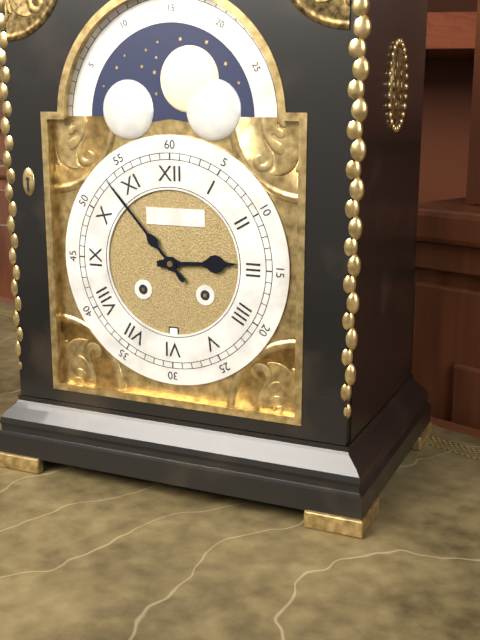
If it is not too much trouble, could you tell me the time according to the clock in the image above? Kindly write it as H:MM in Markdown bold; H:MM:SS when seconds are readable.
**2:53**
